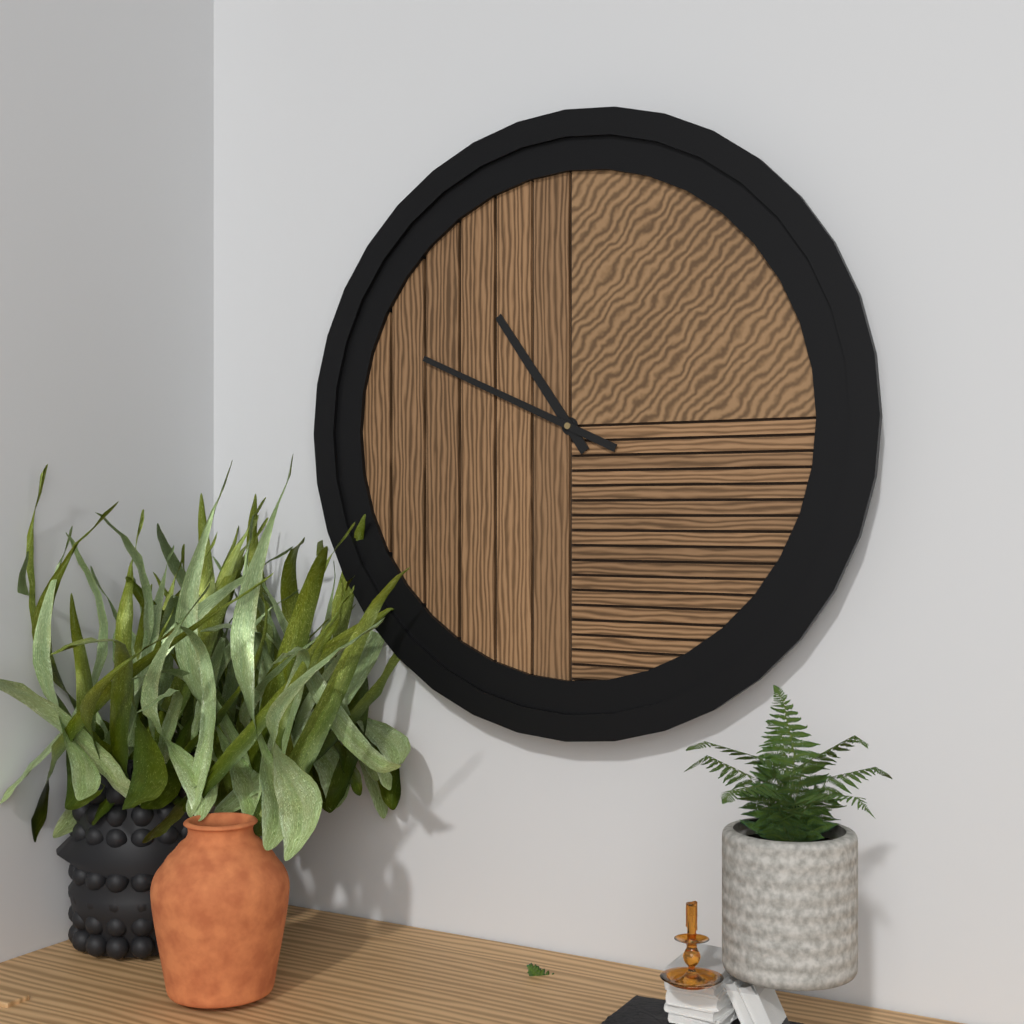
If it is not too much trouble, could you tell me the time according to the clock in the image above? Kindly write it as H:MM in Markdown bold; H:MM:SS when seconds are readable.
**10:49**
